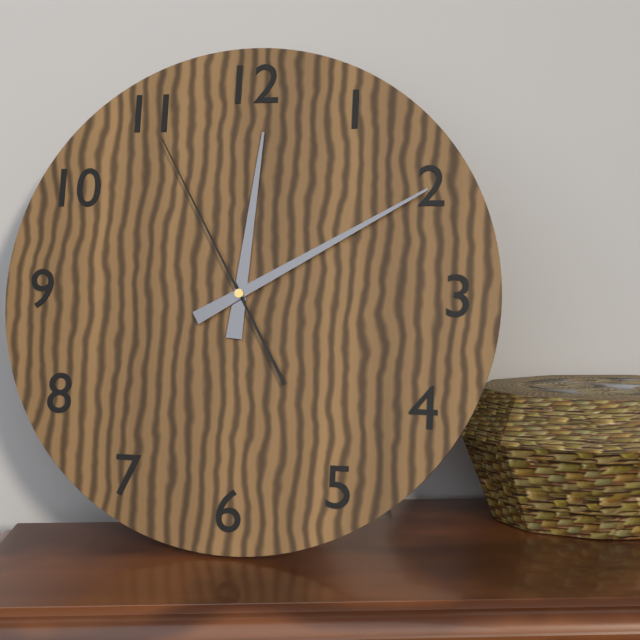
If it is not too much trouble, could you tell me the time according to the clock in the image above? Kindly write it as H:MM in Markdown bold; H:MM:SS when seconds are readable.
**12:10:55**
